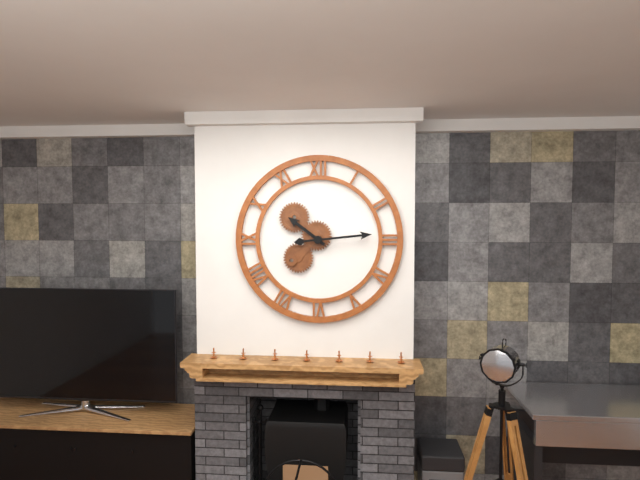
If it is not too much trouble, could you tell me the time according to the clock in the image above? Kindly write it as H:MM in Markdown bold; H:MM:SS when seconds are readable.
**10:14**
